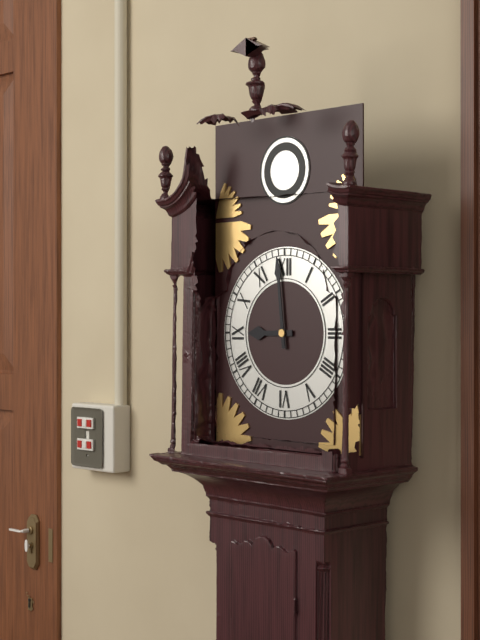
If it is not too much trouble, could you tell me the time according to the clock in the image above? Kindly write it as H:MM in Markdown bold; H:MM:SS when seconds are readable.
**8:59**
